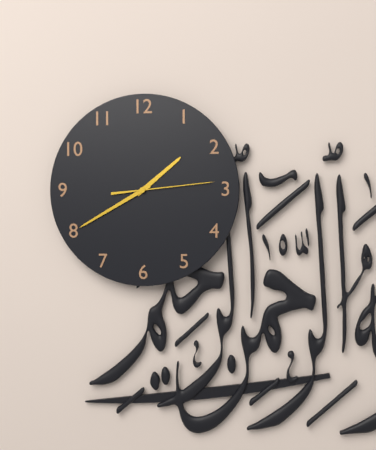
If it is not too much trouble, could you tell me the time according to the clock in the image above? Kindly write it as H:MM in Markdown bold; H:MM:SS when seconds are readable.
**1:40:14**
